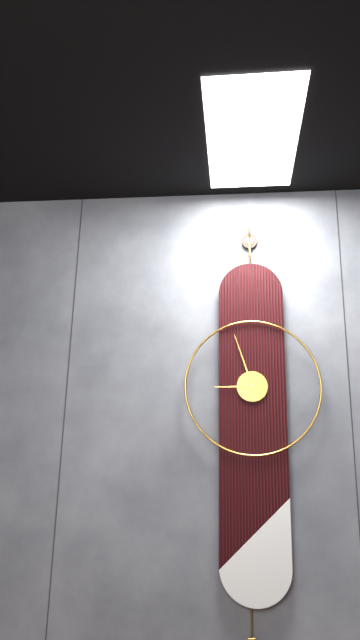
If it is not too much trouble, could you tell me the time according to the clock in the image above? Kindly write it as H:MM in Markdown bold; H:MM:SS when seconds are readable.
**8:57**
